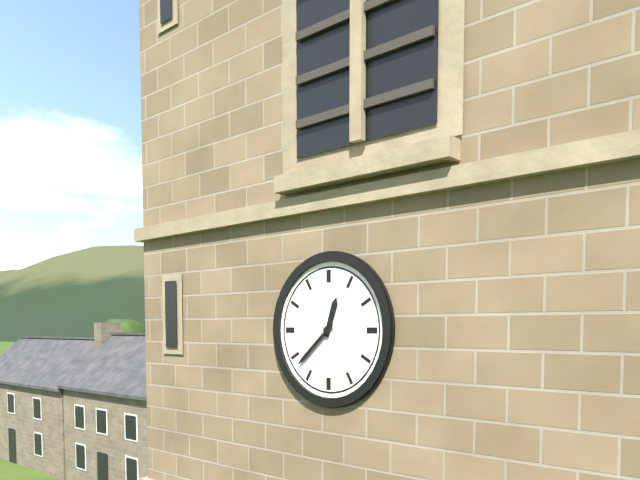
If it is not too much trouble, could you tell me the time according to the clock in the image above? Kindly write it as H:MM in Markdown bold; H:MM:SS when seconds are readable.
**12:38**
